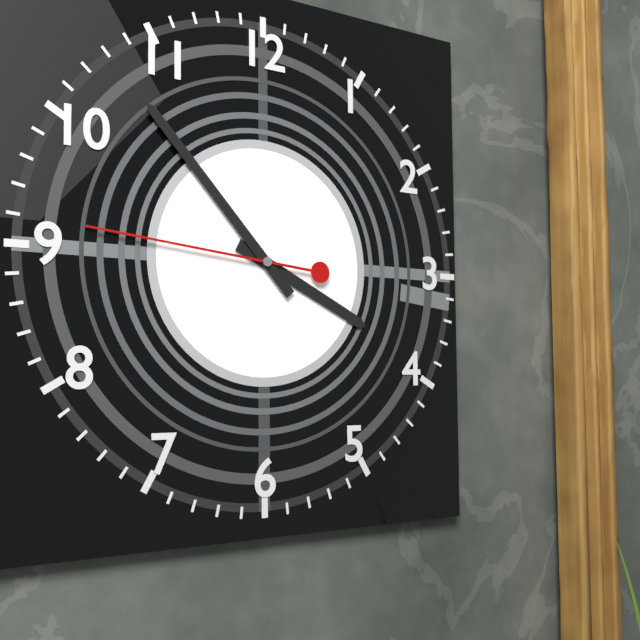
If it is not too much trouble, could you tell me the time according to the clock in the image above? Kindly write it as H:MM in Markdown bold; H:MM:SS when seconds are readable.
**3:53:46**
